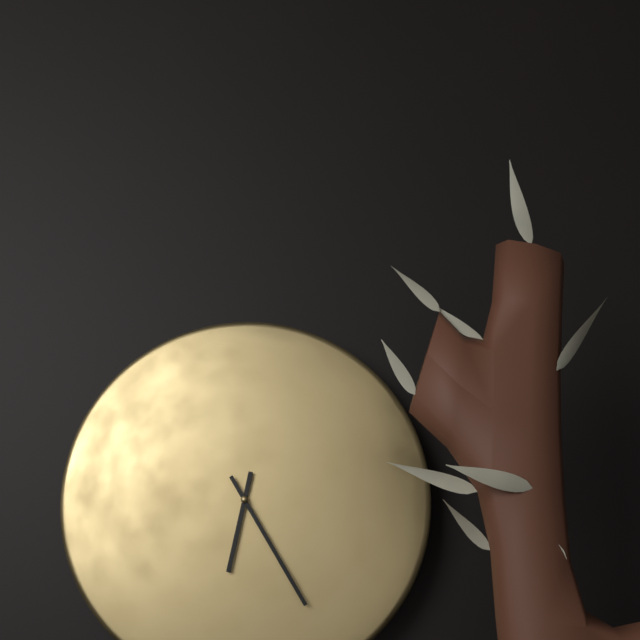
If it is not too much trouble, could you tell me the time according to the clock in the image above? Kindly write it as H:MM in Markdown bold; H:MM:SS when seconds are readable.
**6:25**
